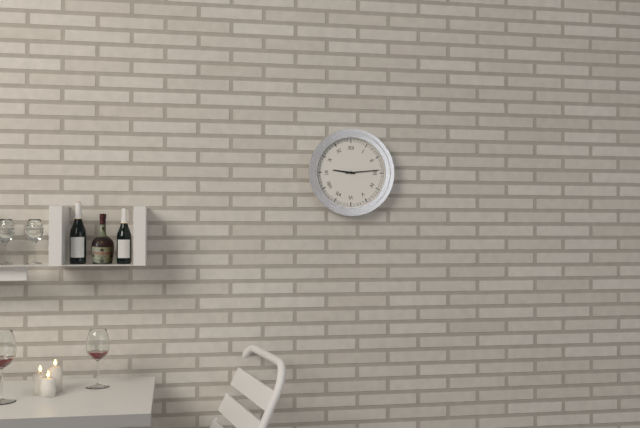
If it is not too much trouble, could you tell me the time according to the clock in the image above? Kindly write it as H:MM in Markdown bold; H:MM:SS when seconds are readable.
**9:14**
